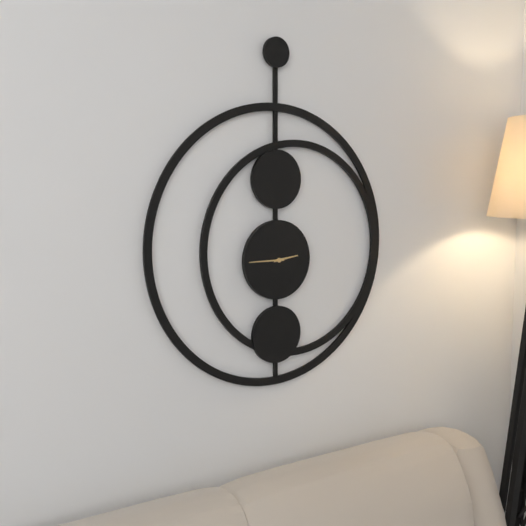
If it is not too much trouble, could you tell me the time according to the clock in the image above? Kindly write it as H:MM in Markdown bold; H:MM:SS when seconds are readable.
**2:45**
